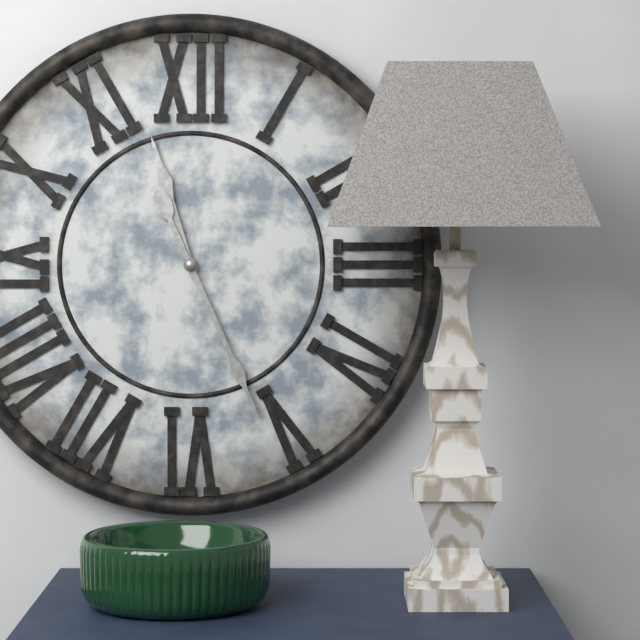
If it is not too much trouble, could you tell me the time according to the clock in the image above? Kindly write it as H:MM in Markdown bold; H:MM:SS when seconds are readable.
**11:26**
